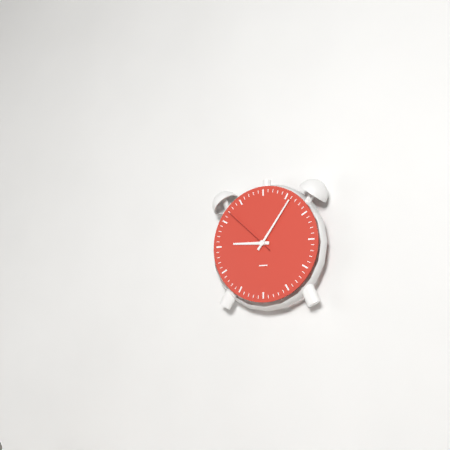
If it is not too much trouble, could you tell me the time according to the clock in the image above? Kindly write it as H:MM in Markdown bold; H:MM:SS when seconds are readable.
**9:06:52**
